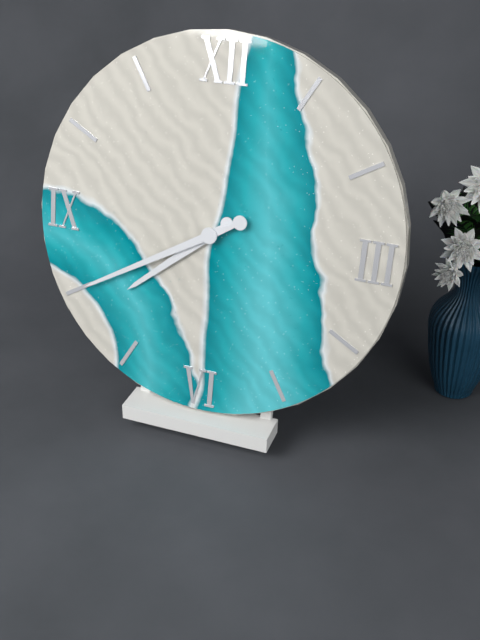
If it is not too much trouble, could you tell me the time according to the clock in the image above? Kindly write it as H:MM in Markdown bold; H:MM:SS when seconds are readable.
**7:40**
